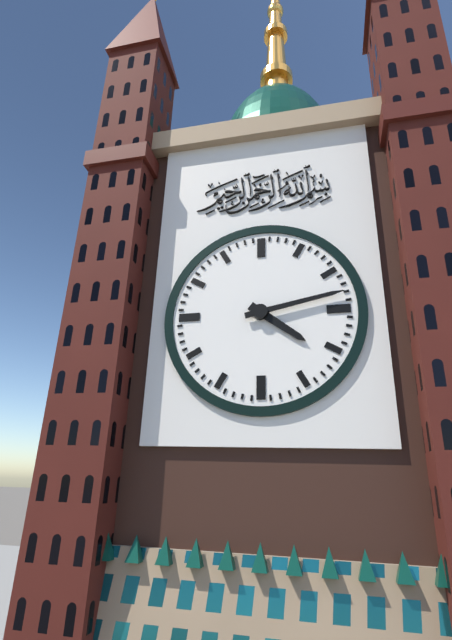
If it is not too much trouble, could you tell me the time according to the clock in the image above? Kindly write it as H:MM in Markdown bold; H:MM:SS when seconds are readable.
**4:13**
